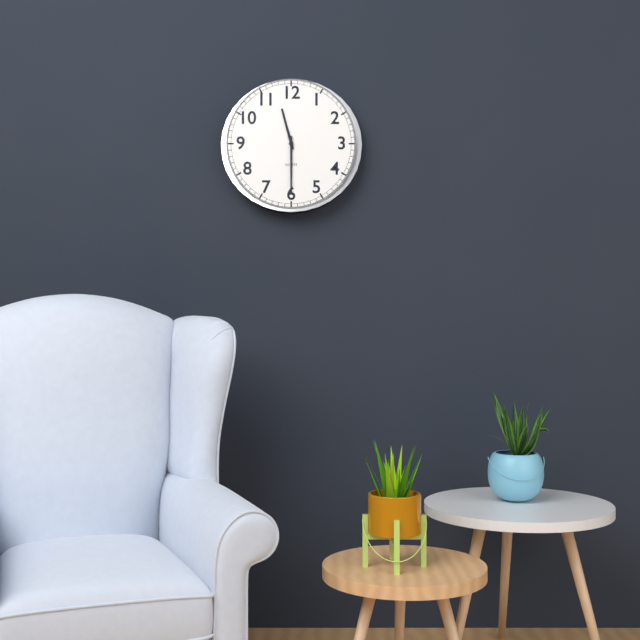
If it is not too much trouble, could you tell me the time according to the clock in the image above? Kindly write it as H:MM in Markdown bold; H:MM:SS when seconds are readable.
**11:30**
